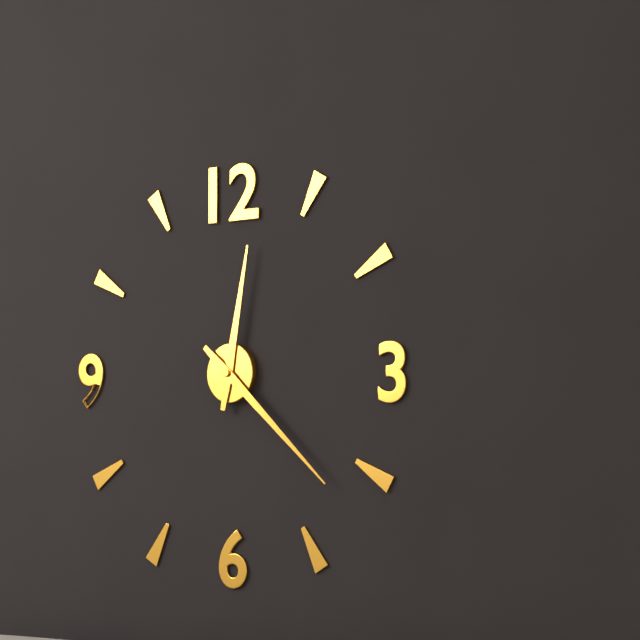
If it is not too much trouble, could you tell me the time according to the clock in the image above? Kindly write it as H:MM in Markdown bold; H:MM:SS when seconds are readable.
**12:22**
